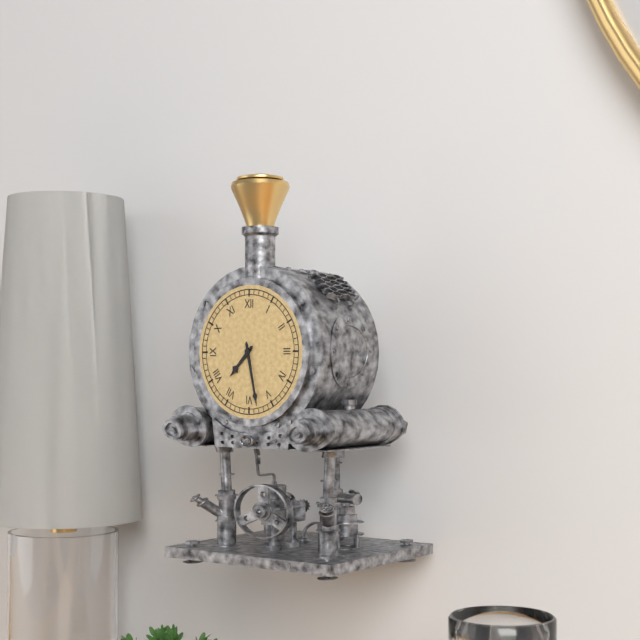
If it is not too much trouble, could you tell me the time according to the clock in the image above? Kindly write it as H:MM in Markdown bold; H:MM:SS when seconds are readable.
**7:28**
